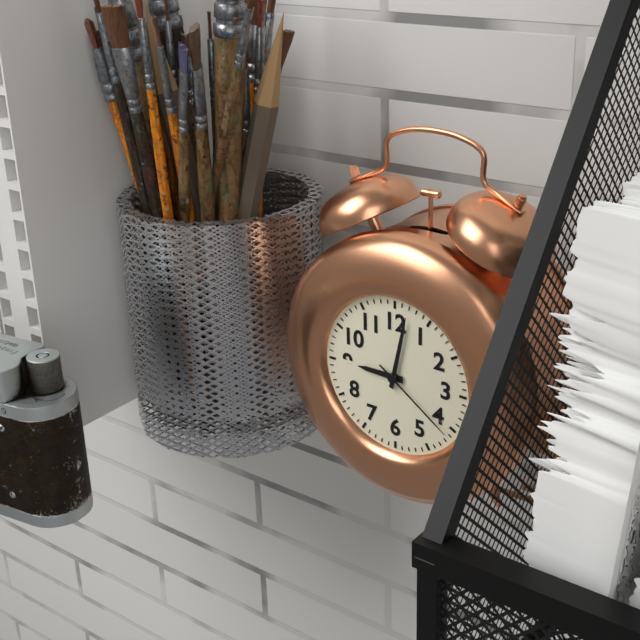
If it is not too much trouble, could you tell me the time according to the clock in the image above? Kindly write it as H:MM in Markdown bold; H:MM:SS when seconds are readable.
**9:02:21**
